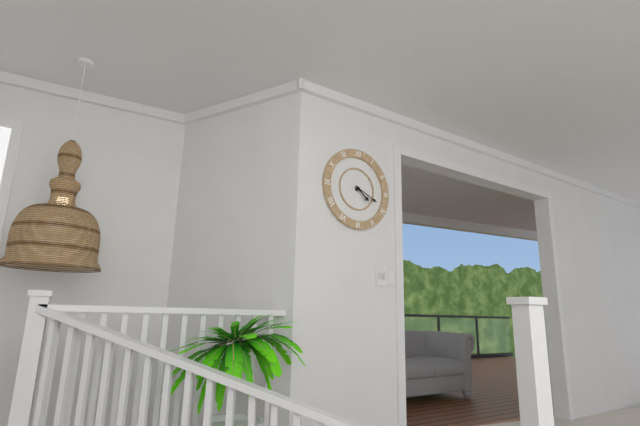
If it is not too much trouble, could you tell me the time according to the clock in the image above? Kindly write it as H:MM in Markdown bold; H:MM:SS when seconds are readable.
**4:19**
